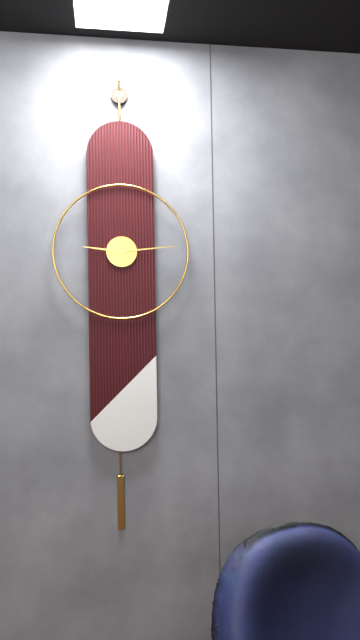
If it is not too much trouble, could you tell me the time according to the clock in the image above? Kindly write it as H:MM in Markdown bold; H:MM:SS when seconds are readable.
**9:14**
